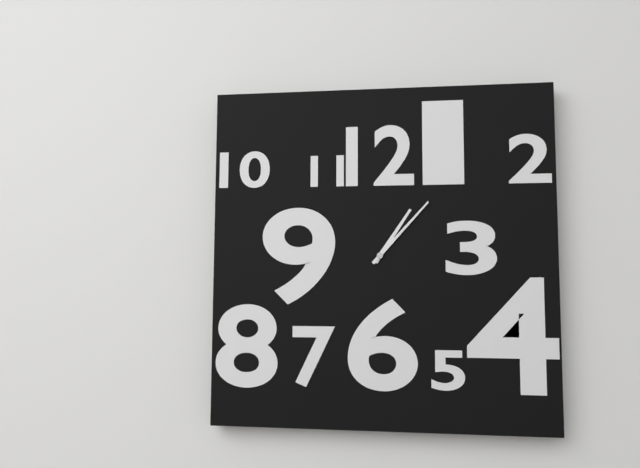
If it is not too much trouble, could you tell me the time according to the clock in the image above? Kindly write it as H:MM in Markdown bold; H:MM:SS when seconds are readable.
**1:07**
